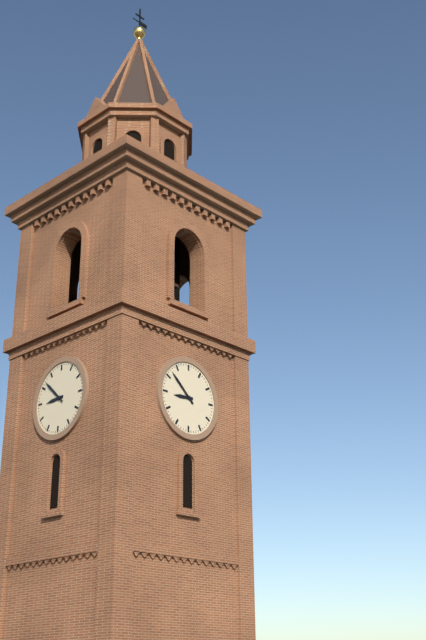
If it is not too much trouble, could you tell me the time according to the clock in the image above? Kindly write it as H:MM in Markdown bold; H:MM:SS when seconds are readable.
**8:52**
